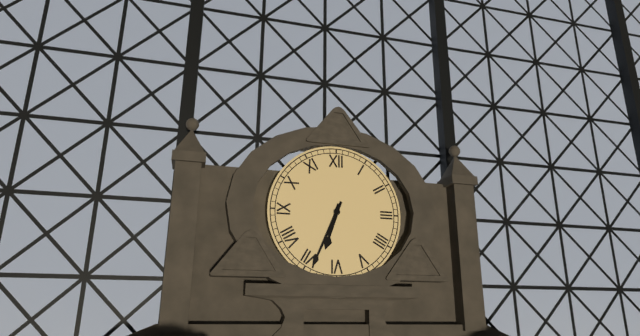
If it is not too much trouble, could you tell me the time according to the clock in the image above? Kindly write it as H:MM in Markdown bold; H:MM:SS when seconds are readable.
**6:34**
